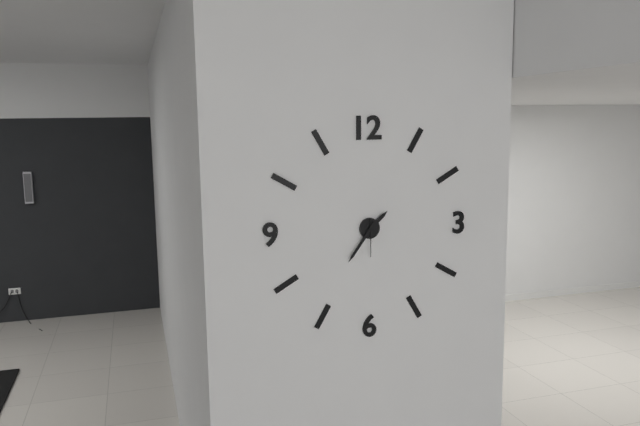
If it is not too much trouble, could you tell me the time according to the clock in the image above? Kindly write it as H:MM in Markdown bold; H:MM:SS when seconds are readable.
**1:36**
